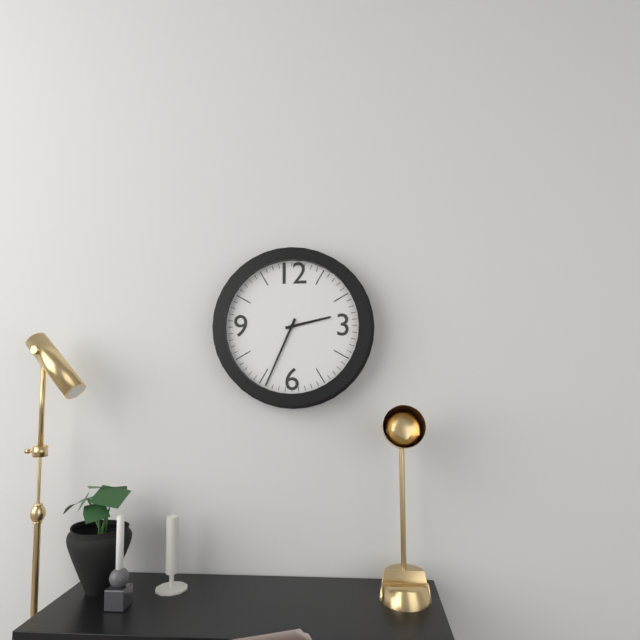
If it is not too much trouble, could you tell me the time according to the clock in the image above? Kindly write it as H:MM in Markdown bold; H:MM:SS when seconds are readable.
**2:34**
